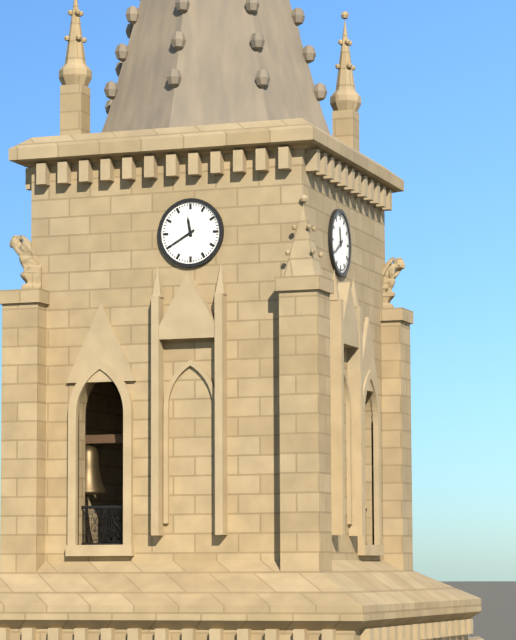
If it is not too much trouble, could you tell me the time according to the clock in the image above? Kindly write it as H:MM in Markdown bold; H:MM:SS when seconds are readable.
**11:40**
